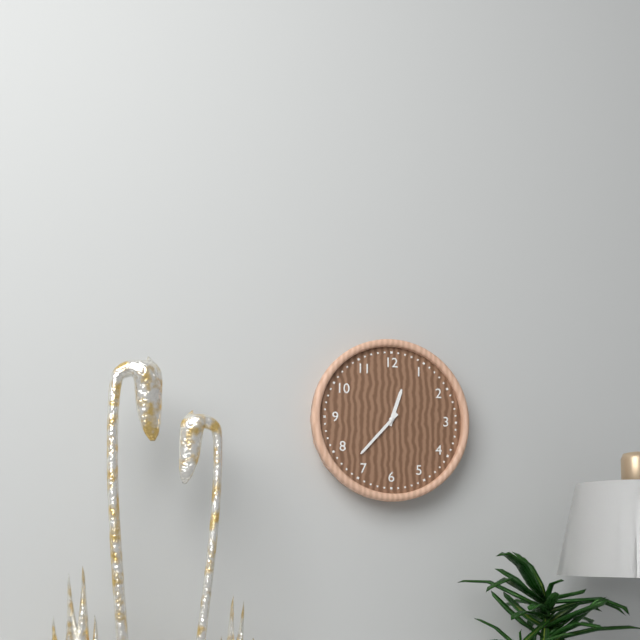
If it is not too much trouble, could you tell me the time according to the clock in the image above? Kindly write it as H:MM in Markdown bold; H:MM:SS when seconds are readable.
**12:37**
